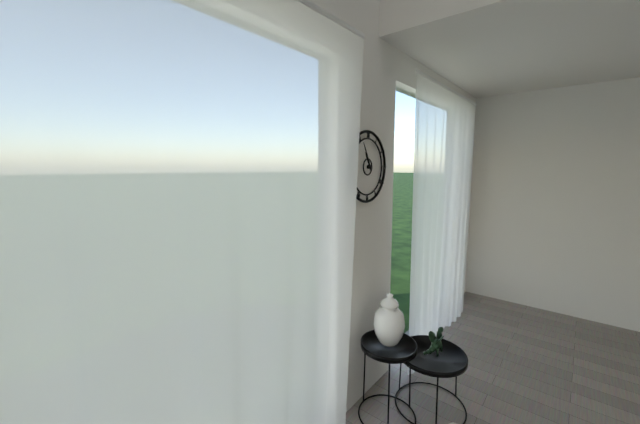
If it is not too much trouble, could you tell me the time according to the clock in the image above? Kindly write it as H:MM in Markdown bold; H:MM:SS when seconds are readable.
**10:55**
